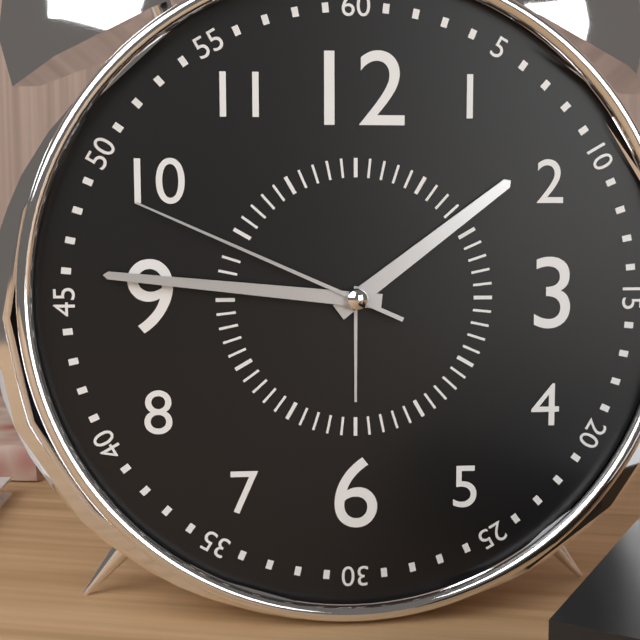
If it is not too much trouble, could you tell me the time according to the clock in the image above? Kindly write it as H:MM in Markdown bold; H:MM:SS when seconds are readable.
**1:46:49**
